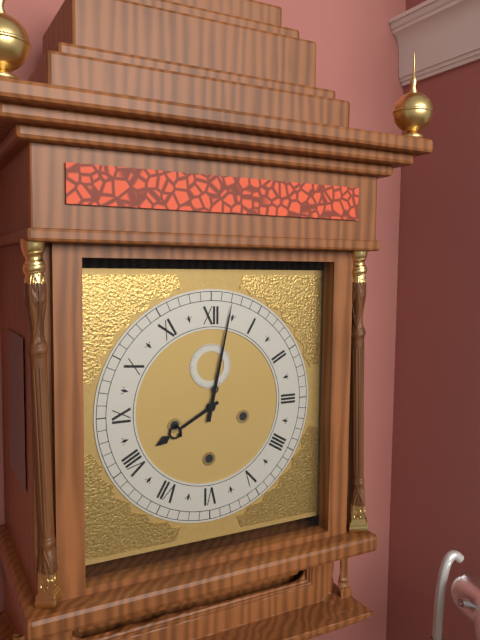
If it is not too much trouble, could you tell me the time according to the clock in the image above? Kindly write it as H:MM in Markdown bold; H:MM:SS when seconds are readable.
**8:02**
